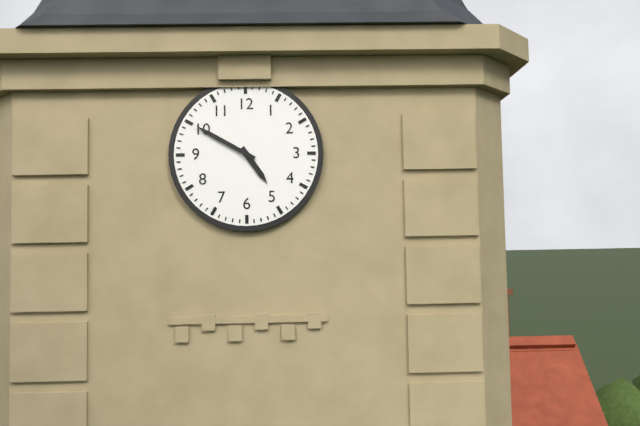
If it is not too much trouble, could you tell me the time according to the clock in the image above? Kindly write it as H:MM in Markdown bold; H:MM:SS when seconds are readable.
**4:50**
